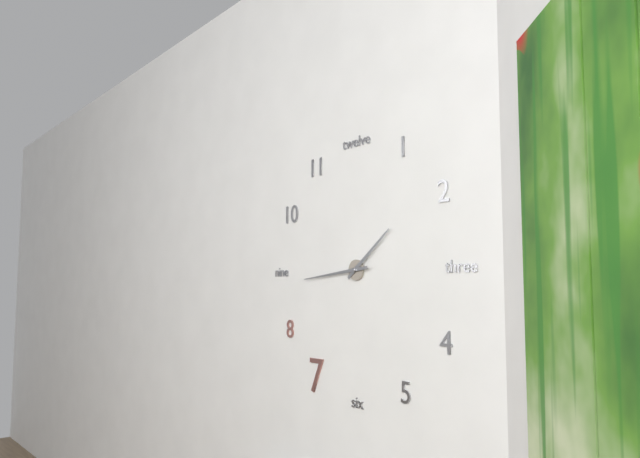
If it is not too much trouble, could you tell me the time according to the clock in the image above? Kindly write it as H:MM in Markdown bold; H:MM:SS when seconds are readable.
**1:44**
